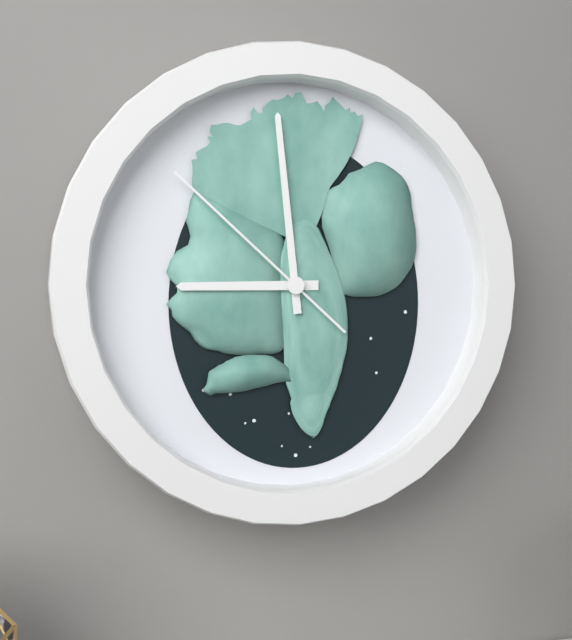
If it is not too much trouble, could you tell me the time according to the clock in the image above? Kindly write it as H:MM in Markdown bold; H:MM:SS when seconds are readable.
**8:59:52**
